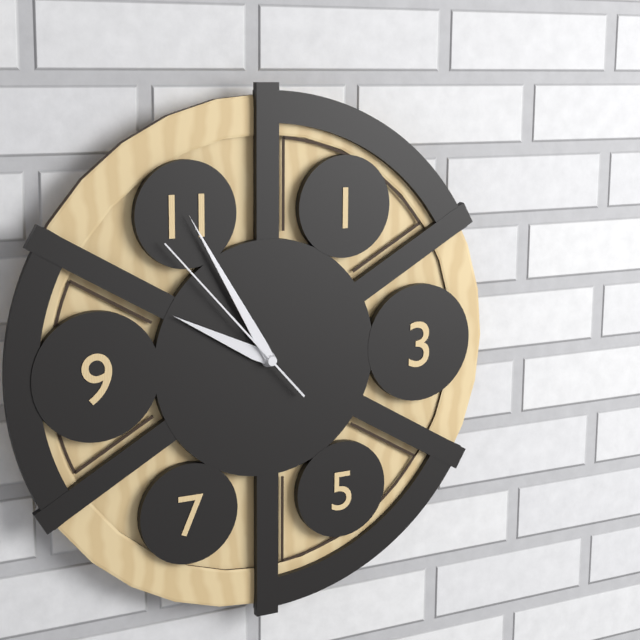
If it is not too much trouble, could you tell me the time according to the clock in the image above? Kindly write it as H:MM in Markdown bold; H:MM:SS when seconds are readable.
**9:55:53**
